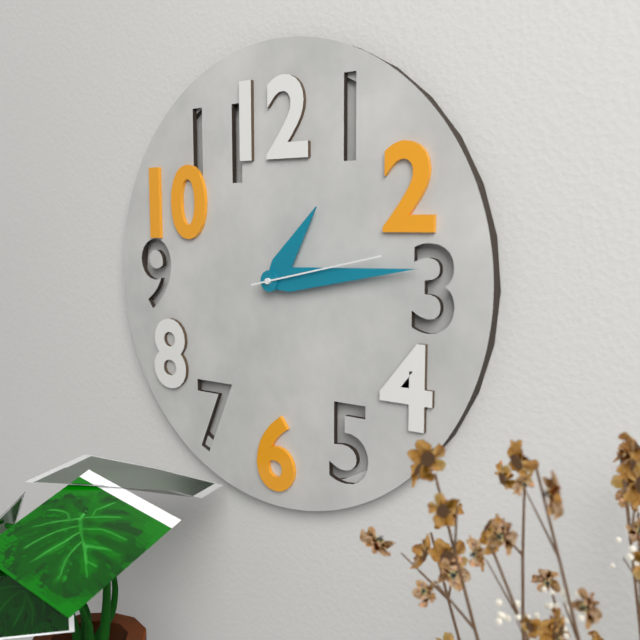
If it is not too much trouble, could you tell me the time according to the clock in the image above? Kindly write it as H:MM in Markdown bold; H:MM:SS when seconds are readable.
**1:14:13**
